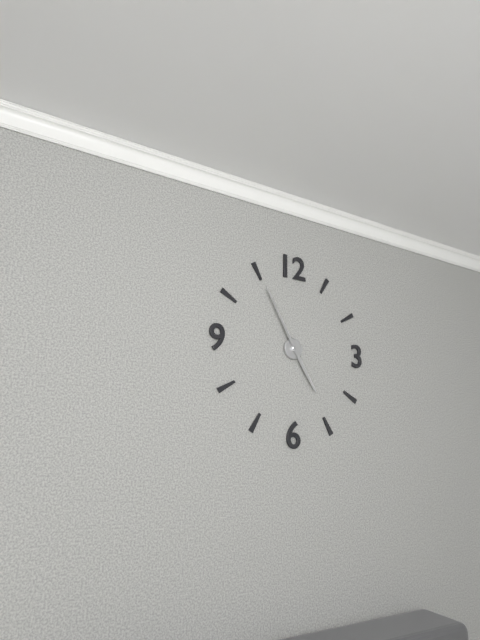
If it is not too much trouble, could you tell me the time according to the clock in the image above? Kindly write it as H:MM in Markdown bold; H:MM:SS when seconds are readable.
**4:55**
